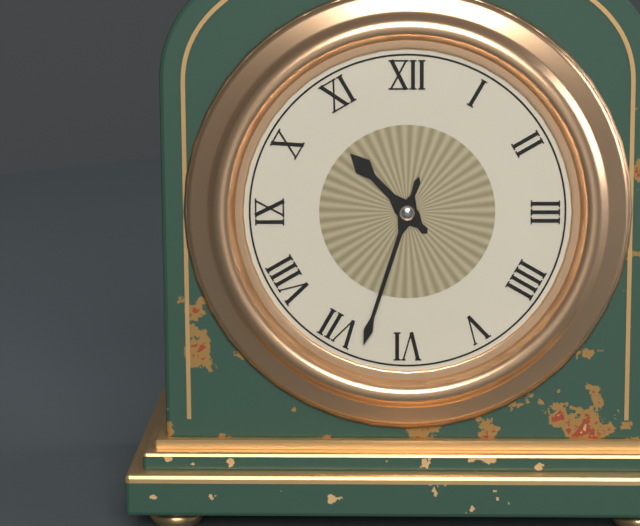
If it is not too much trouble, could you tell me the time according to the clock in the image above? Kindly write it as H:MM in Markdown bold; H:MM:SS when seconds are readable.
**10:33**
